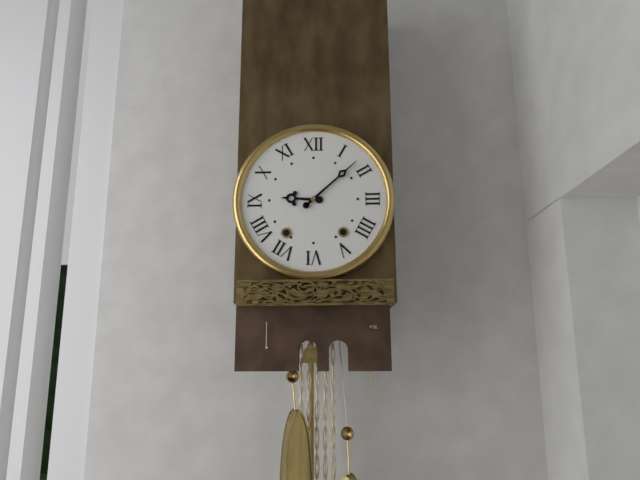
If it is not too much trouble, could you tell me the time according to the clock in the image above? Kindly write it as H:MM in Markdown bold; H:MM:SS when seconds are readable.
**9:08**
